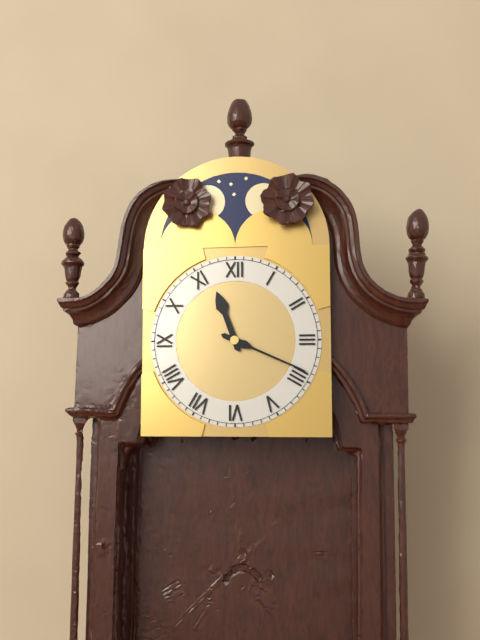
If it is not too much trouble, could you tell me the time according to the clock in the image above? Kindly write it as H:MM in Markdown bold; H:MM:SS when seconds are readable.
**11:19**
